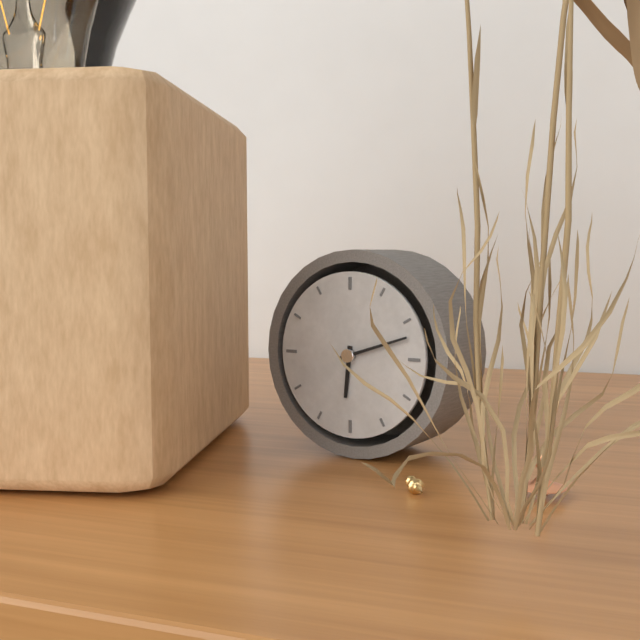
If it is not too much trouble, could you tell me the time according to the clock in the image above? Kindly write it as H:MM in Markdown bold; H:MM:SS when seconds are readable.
**6:12**
